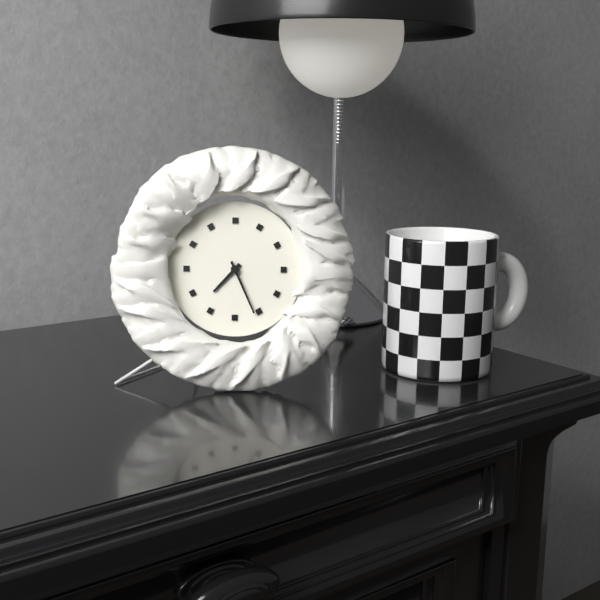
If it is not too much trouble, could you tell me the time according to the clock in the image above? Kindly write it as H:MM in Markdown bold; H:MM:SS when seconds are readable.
**7:26**
